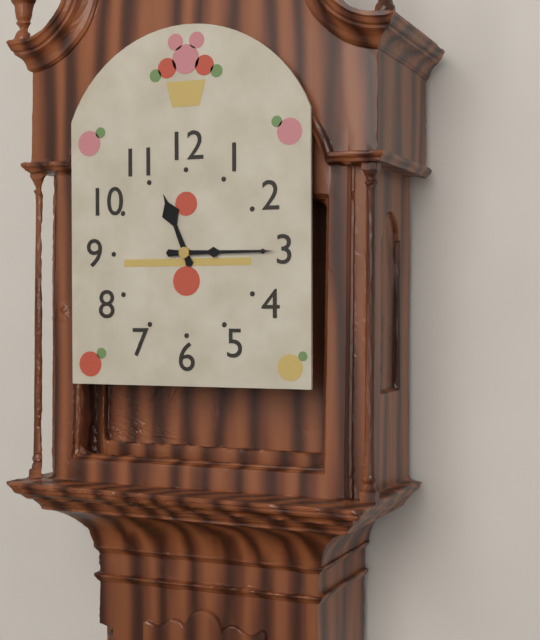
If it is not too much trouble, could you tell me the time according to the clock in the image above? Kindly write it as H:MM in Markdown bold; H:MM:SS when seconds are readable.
**11:15**
